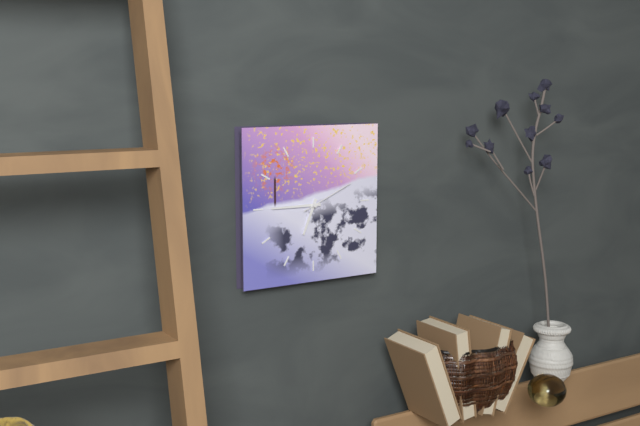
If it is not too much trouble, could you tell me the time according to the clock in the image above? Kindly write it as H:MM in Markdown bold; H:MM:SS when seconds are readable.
**6:45:11**
